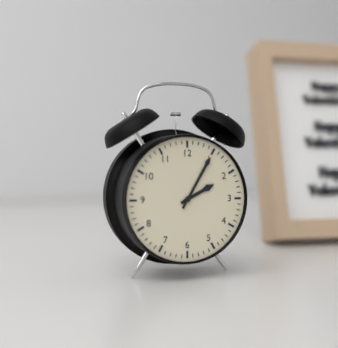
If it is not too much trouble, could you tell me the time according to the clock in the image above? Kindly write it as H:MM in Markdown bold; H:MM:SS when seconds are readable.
**2:05**
